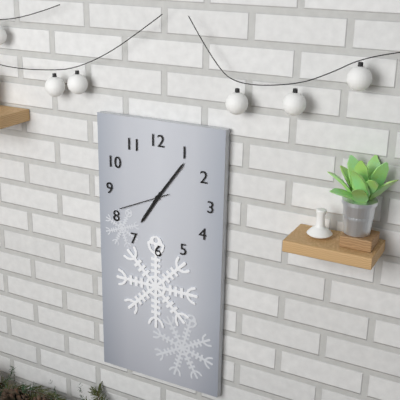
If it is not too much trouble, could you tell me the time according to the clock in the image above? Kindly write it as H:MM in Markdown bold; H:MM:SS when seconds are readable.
**7:06**
